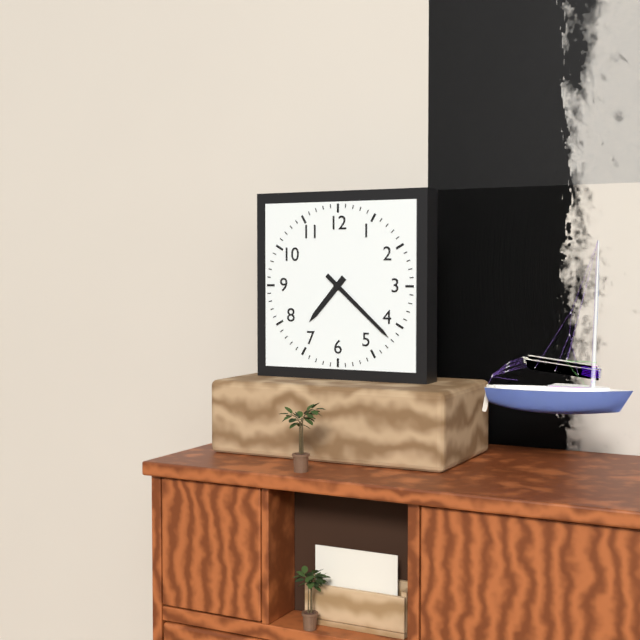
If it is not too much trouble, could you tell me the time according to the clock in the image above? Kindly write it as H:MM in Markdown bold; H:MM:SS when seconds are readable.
**7:22**
